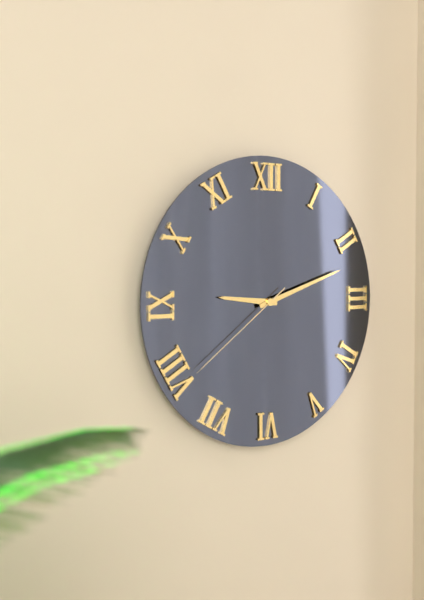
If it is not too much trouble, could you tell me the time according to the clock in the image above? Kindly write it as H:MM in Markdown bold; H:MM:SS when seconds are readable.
**9:12:39**
